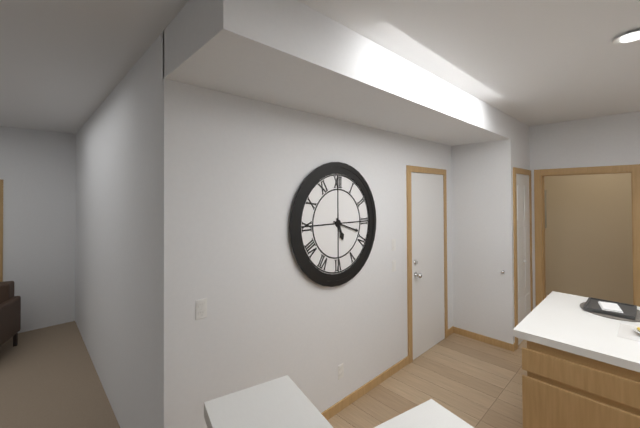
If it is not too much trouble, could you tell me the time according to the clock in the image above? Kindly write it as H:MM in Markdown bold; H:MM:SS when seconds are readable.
**5:18**
